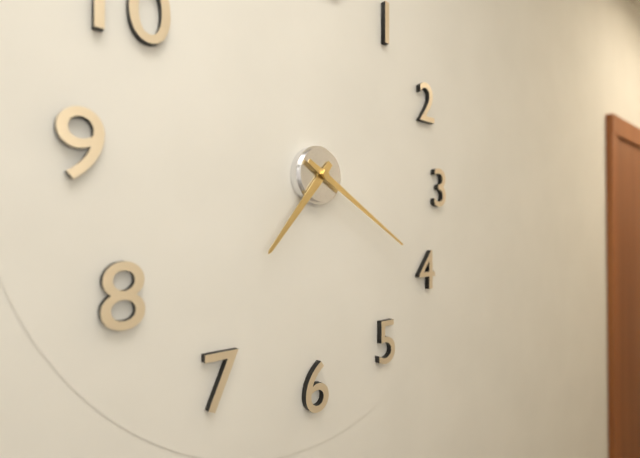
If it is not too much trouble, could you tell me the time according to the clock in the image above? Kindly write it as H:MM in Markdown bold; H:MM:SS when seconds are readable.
**7:20**
